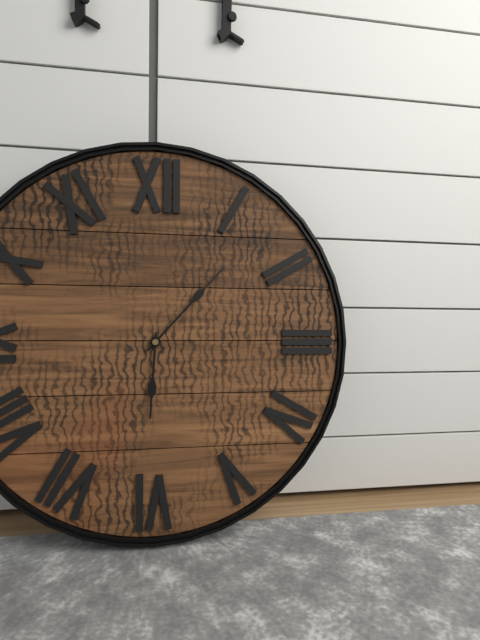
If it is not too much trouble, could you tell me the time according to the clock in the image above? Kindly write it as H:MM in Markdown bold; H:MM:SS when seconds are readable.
**6:07**
